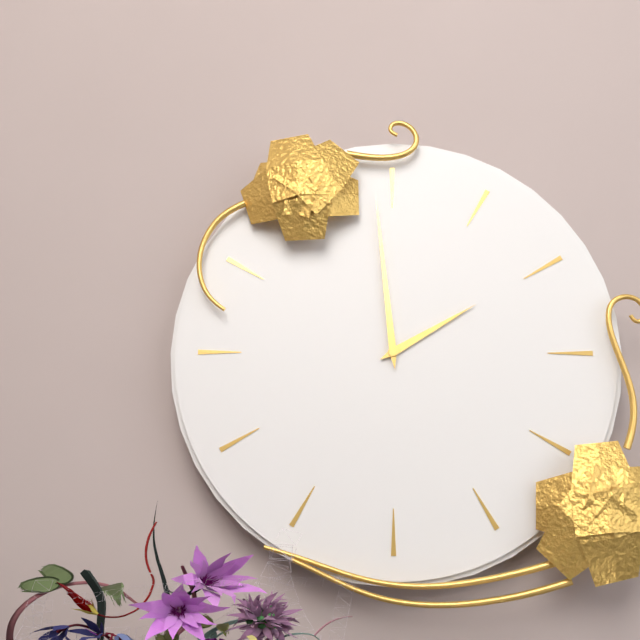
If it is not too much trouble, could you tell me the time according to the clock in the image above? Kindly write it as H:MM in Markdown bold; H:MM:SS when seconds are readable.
**1:59**
